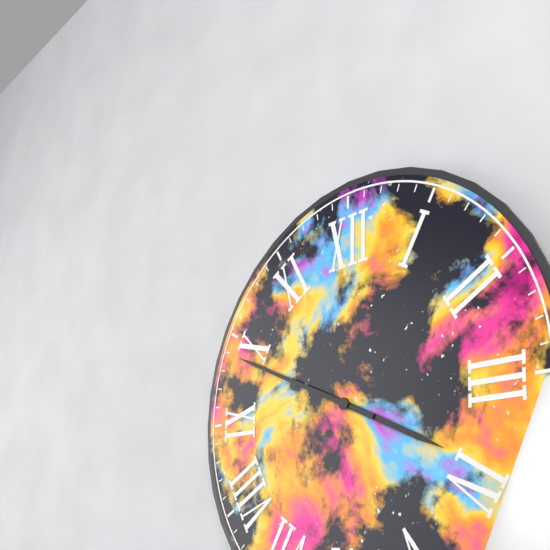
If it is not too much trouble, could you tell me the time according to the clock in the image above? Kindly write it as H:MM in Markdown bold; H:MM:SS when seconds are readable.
**3:49**
